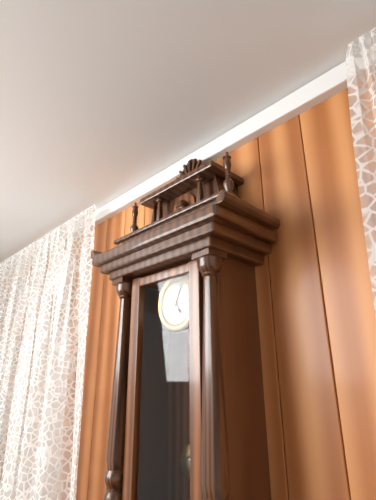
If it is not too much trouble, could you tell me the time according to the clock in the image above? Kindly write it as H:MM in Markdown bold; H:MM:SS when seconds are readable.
**5:04**
